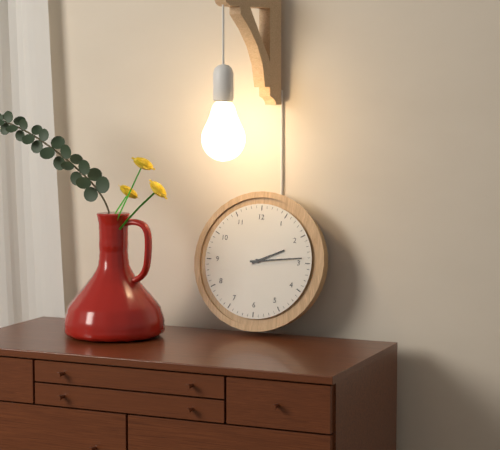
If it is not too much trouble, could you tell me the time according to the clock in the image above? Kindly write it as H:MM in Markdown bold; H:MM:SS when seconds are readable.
**2:14**
